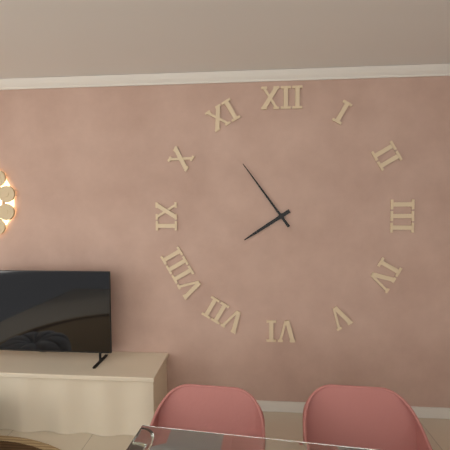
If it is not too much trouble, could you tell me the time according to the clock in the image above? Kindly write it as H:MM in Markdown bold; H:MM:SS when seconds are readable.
**7:54**
